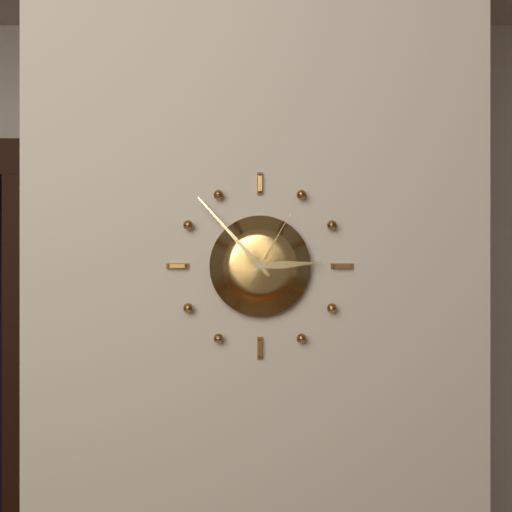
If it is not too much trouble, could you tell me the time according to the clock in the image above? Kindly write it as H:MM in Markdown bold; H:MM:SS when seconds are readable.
**2:53:05**
